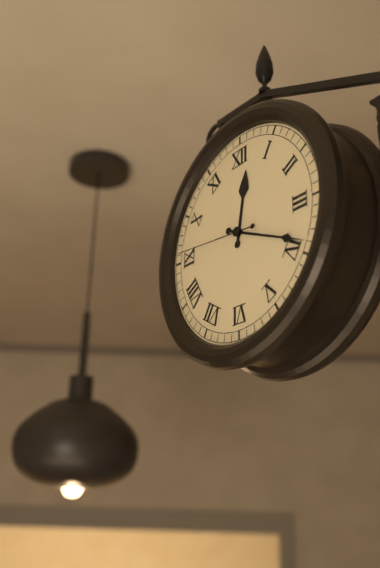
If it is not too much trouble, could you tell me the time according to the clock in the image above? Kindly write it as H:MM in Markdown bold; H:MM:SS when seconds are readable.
**12:19:46**
